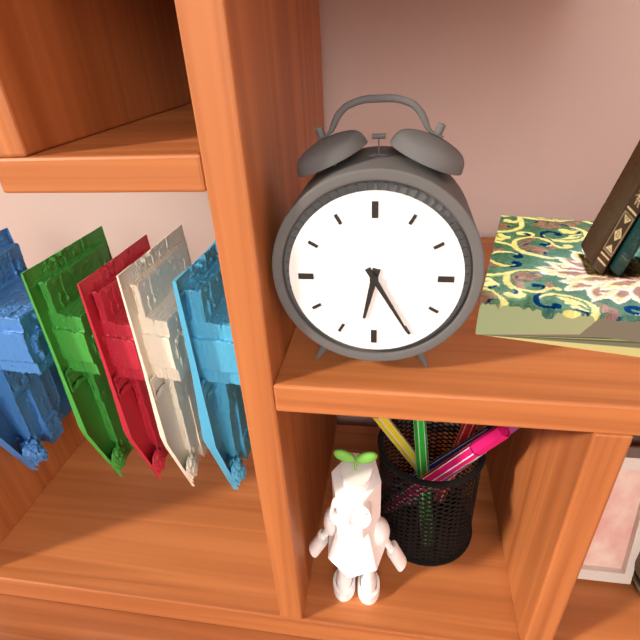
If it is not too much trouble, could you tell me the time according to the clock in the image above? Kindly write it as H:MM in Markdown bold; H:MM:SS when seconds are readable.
**6:25**
